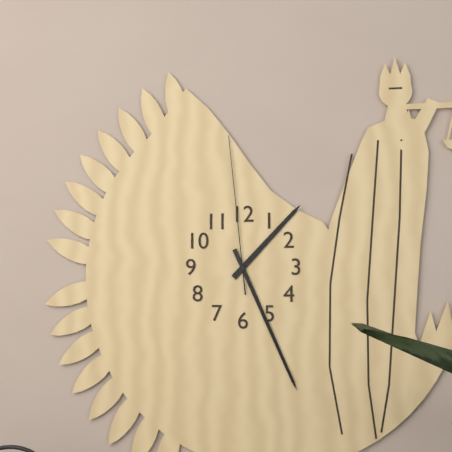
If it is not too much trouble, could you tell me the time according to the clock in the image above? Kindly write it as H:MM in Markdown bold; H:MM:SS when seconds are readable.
**1:26:59**
